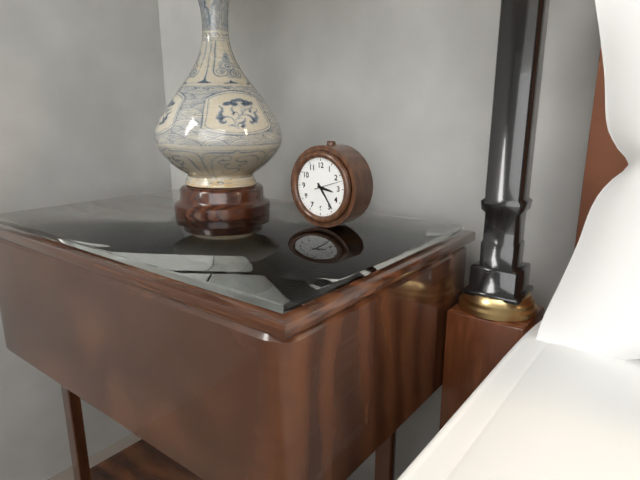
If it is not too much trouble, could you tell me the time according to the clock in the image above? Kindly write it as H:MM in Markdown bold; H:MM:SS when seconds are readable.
**3:24**
